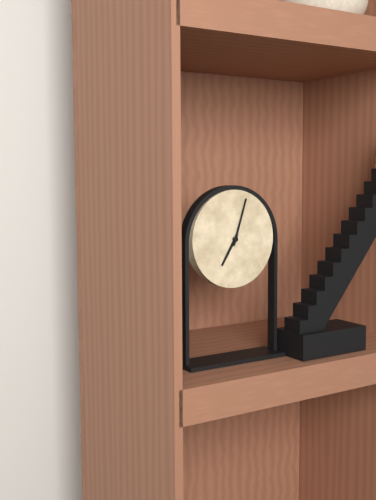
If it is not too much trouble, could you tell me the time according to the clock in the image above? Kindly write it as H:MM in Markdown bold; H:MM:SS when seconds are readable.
**7:03**
